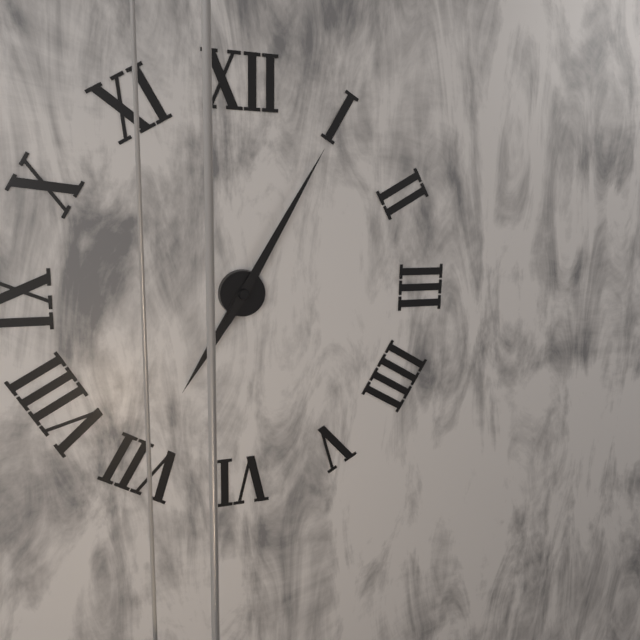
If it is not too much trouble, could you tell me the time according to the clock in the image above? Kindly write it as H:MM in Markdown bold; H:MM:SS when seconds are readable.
**7:05**
